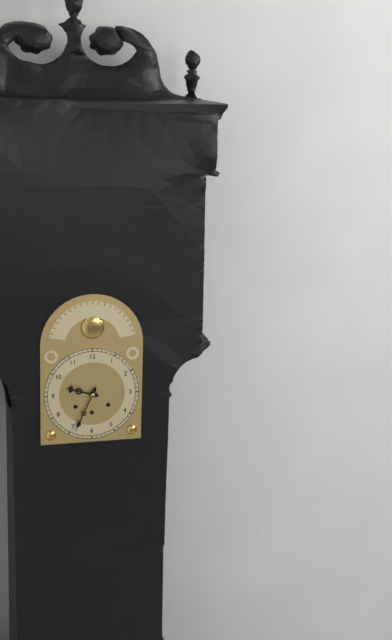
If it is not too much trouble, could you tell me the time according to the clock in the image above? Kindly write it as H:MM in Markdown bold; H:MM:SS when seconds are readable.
**9:34**
